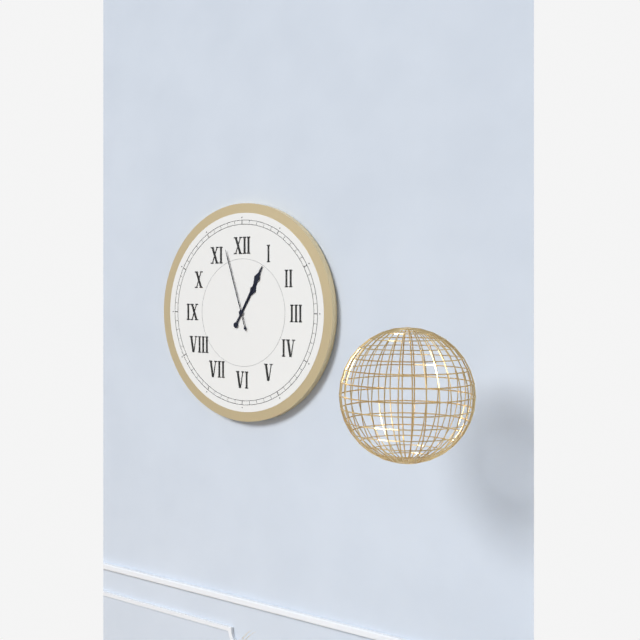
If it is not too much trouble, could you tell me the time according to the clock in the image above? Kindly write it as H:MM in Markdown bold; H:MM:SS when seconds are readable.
**1:05:57**
